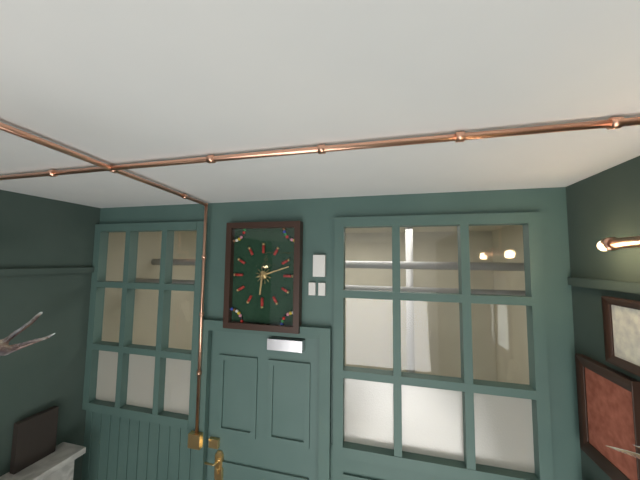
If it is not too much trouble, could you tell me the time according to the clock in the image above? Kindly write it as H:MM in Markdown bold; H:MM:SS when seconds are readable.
**6:12**
